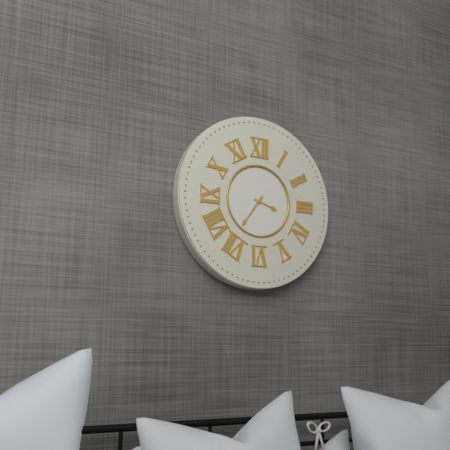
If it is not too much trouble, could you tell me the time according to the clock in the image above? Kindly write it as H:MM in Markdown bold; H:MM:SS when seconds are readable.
**3:36**
